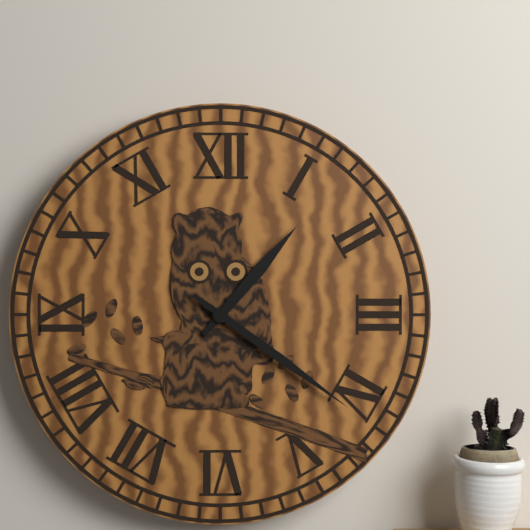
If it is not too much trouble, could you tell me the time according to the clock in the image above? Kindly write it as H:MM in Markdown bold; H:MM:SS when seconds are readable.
**1:21**
